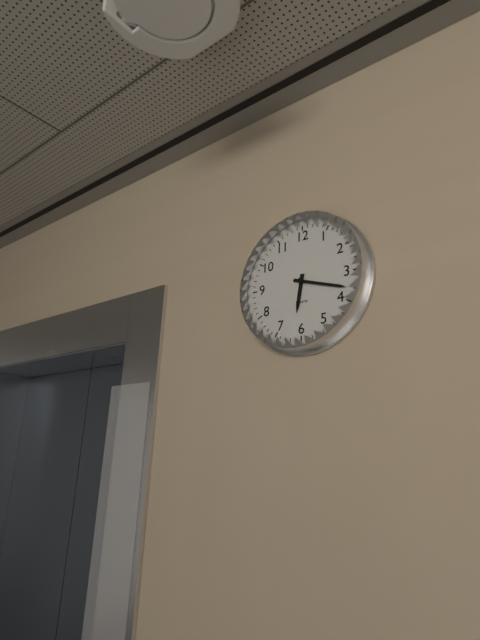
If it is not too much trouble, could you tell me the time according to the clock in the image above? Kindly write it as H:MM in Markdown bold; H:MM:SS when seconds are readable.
**6:18**
